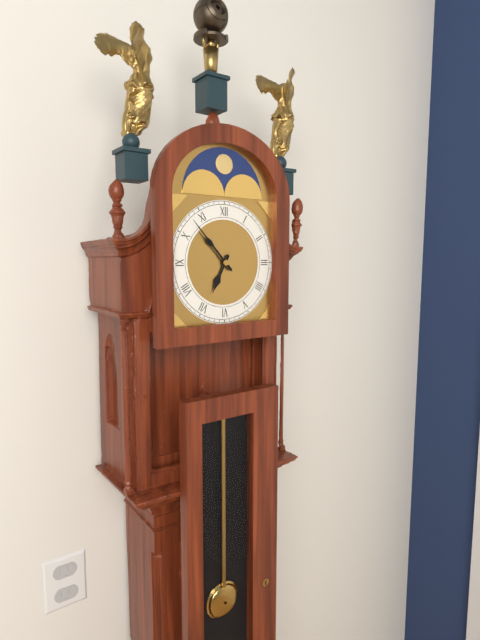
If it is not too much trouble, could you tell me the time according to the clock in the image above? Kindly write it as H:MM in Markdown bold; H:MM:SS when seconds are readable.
**6:53**
